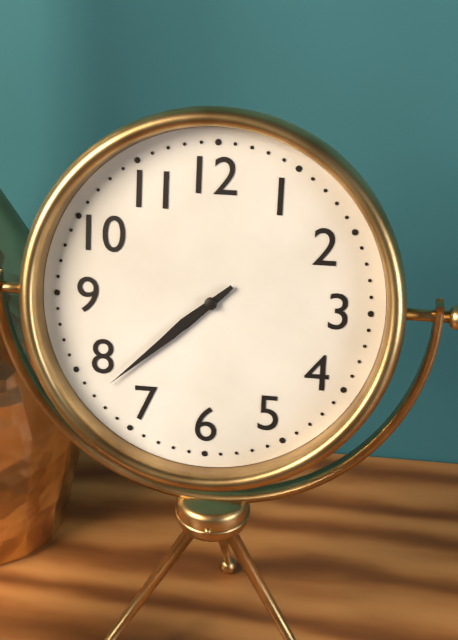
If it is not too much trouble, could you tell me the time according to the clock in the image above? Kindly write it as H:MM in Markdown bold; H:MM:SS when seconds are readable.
**7:38**
